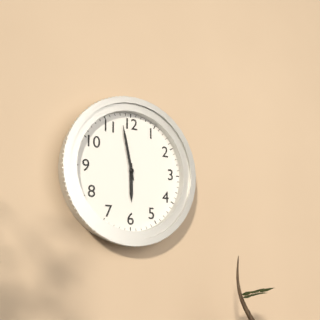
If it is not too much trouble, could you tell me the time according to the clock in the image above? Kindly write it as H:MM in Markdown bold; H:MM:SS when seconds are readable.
**5:58**
